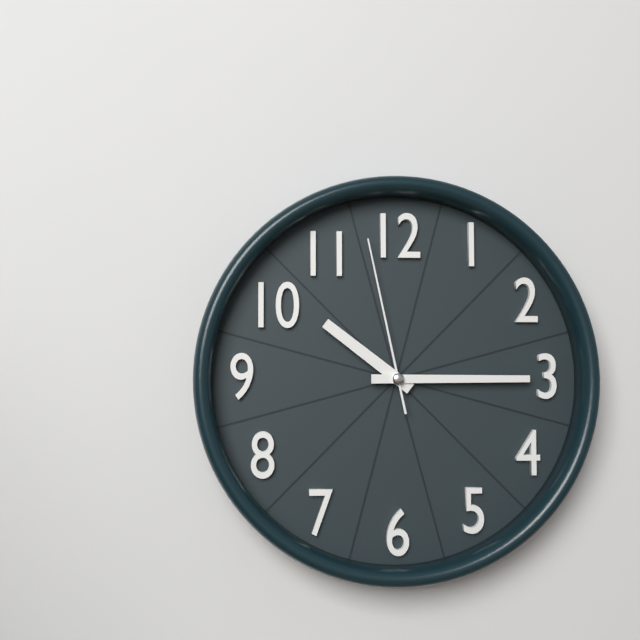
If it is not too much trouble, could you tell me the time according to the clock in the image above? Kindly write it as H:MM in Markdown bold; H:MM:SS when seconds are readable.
**10:15:58**
